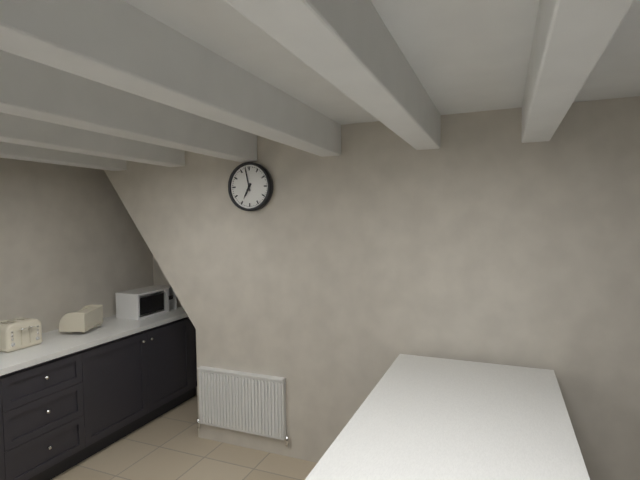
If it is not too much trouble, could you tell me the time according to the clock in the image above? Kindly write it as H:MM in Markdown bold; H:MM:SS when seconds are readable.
**6:58**
